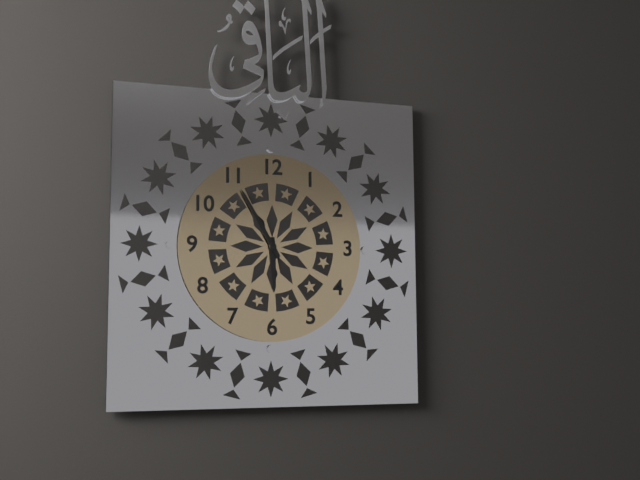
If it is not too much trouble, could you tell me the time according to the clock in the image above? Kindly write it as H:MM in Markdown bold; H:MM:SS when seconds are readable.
**5:55**
